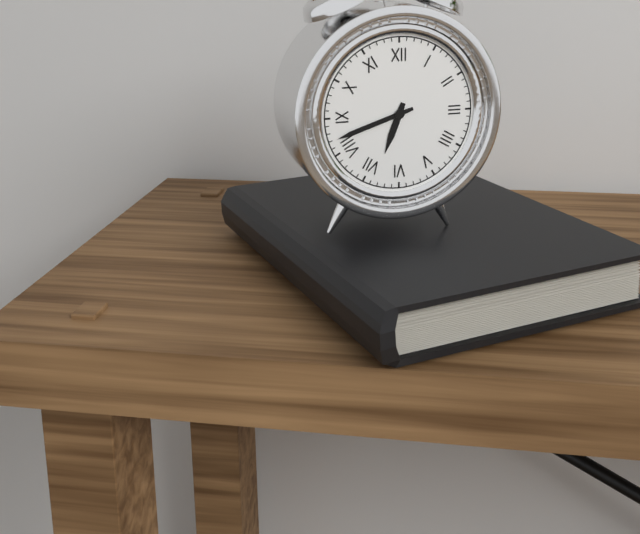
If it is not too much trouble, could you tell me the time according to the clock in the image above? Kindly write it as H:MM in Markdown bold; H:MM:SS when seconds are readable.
**6:42**
